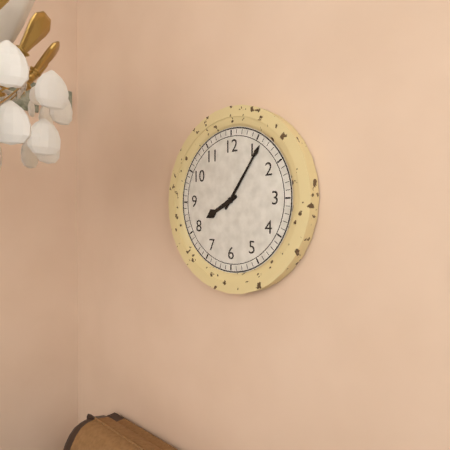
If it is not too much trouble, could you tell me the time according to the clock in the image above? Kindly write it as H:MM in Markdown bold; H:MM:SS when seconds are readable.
**8:06**
